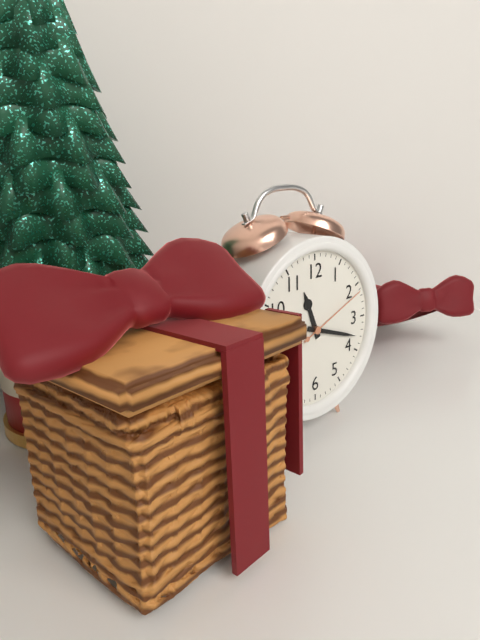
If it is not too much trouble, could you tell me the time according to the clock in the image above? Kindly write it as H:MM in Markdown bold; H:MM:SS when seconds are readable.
**11:18:11**
